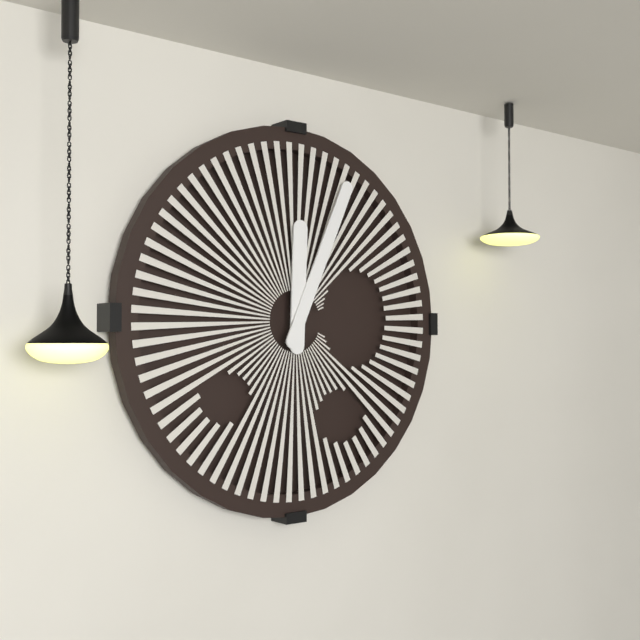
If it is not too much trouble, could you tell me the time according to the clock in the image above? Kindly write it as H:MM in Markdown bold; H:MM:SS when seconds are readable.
**12:04**
